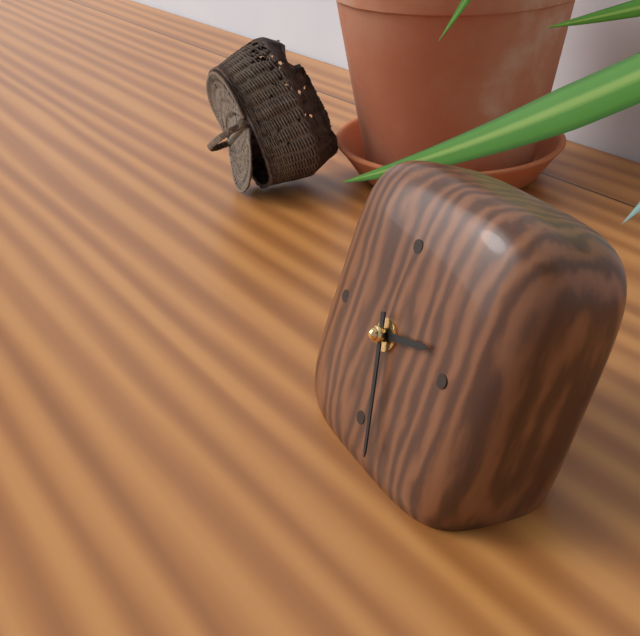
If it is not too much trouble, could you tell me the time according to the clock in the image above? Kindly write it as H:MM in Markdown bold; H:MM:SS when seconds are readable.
**2:27**
